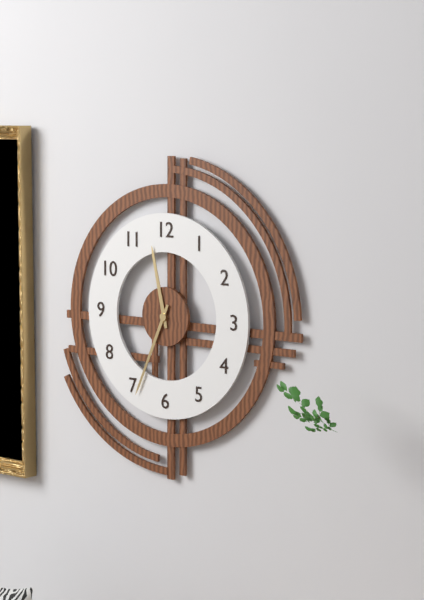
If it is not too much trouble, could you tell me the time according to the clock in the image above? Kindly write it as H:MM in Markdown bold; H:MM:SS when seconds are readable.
**11:34**
